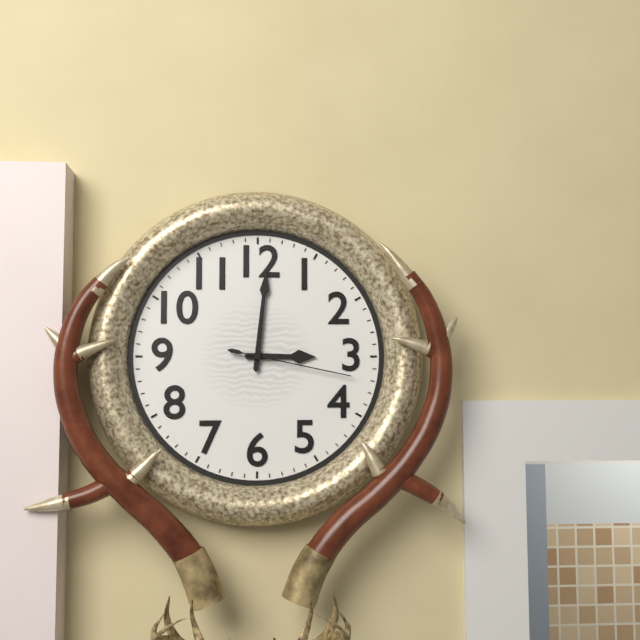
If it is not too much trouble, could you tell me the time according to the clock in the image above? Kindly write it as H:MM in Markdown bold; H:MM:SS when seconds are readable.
**3:01:17**
